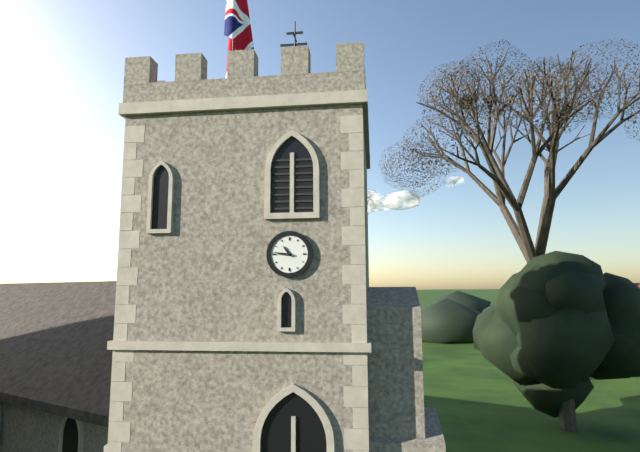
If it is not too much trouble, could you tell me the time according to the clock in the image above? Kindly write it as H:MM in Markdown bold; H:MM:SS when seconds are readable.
**10:46**
